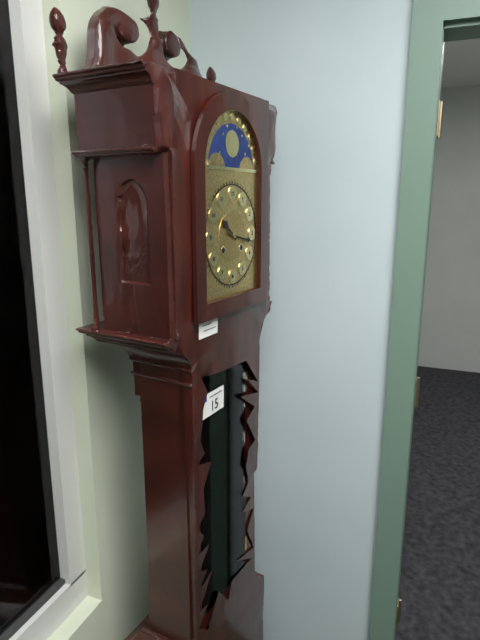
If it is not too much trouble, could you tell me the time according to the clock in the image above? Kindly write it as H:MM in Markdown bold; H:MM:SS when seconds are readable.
**10:17**
